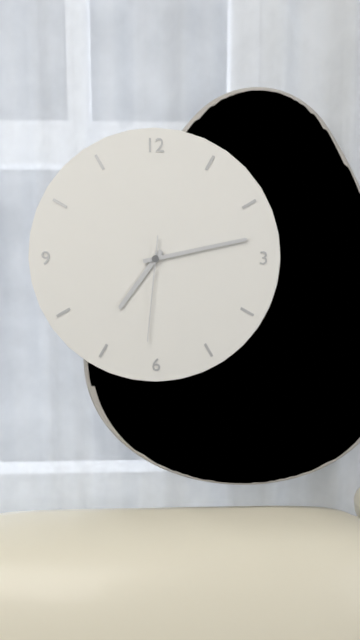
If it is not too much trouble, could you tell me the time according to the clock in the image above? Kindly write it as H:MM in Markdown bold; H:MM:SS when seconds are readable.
**7:13:31**
